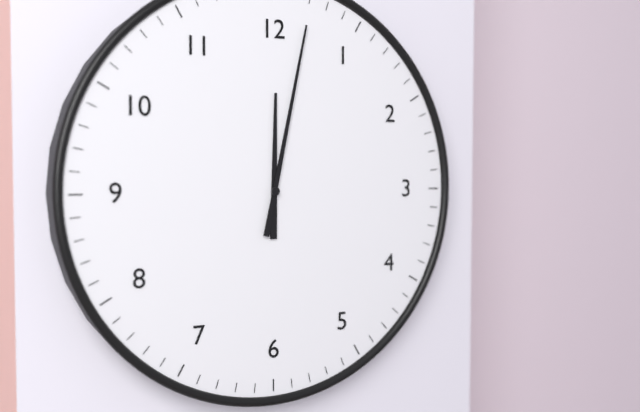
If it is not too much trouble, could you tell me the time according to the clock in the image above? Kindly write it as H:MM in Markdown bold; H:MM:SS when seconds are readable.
**12:02**
